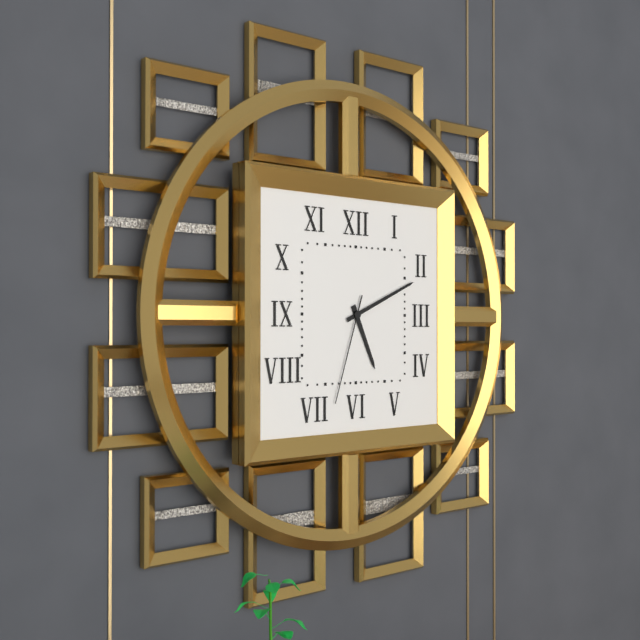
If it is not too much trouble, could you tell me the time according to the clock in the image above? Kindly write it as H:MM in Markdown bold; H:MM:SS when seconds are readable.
**5:11:33**
